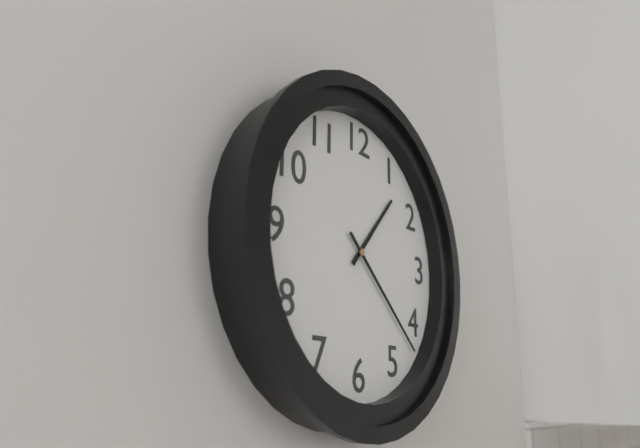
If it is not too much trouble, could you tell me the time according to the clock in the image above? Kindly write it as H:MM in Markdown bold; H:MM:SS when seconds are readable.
**1:22**
